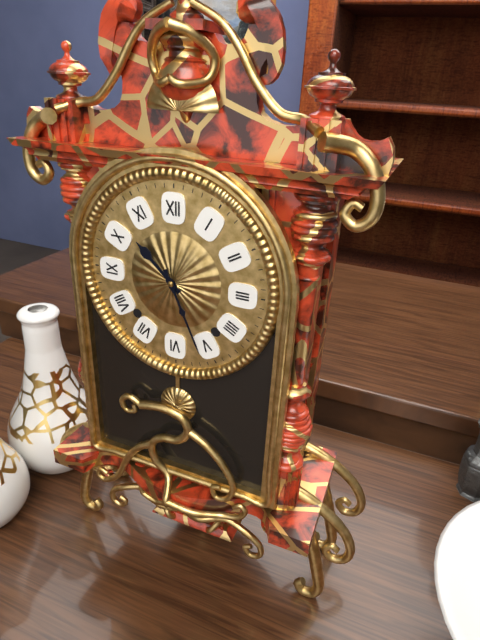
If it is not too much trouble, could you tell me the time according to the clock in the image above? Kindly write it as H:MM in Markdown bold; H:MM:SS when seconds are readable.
**10:26**
